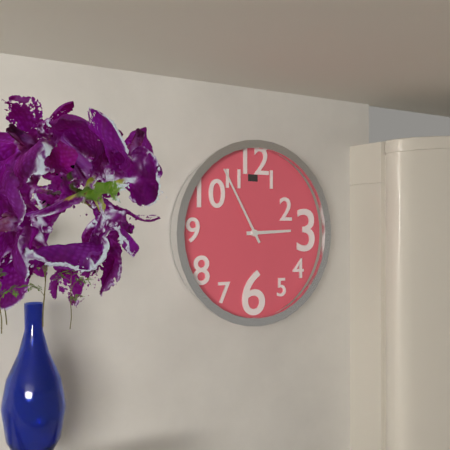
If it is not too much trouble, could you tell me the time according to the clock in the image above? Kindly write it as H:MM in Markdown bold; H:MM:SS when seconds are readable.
**2:55**
